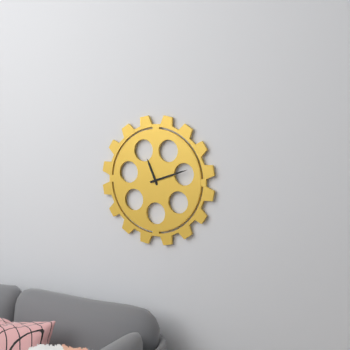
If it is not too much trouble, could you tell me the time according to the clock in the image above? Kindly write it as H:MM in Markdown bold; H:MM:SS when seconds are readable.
**11:12**
